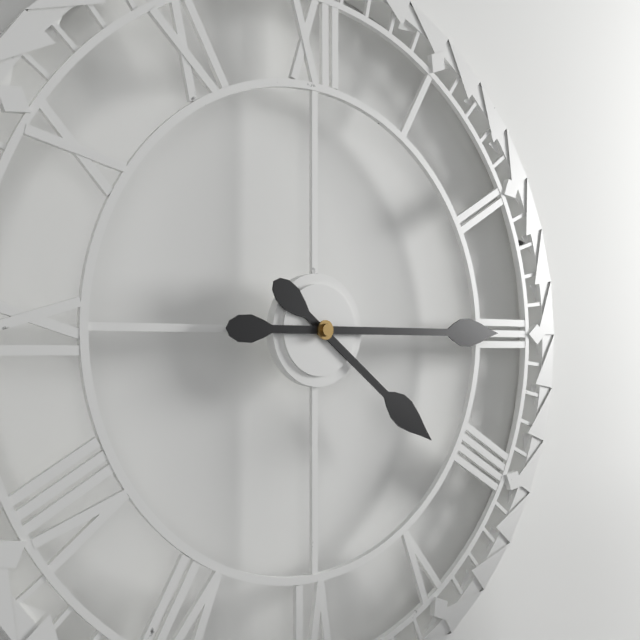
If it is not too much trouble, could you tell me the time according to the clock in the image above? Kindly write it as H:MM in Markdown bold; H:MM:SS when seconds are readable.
**4:15**
